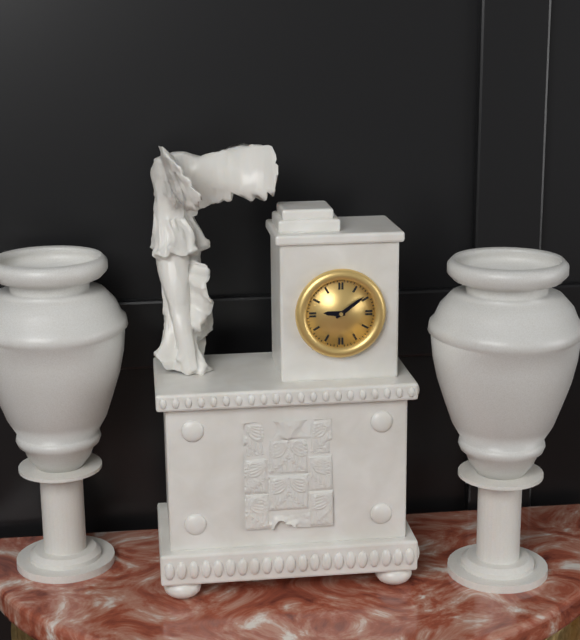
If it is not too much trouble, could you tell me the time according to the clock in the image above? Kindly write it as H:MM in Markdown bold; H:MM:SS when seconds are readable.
**9:09**
